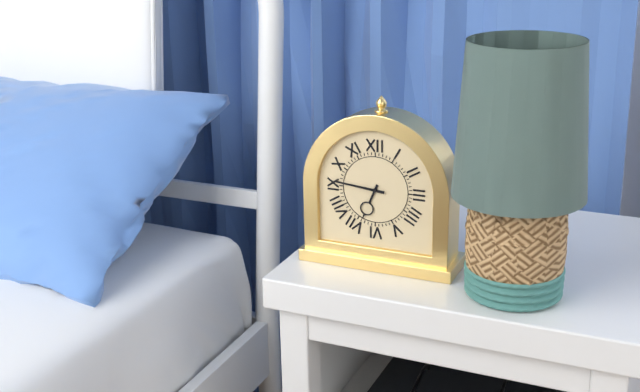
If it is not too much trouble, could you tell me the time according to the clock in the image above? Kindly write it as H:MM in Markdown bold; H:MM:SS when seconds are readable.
**6:46**
